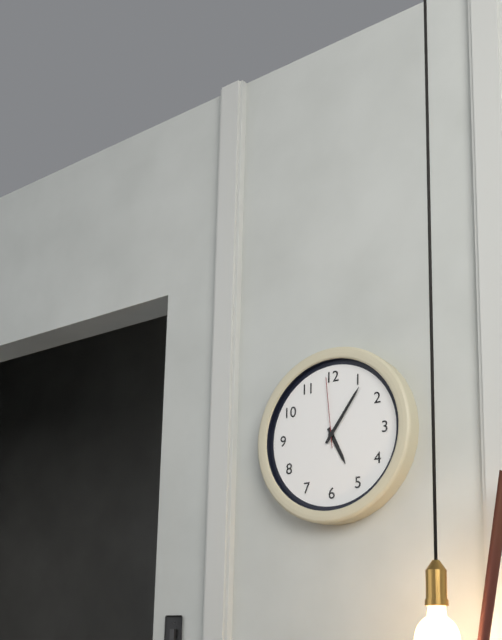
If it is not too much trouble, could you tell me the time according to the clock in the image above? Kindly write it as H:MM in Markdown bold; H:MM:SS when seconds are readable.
**5:06:59**
